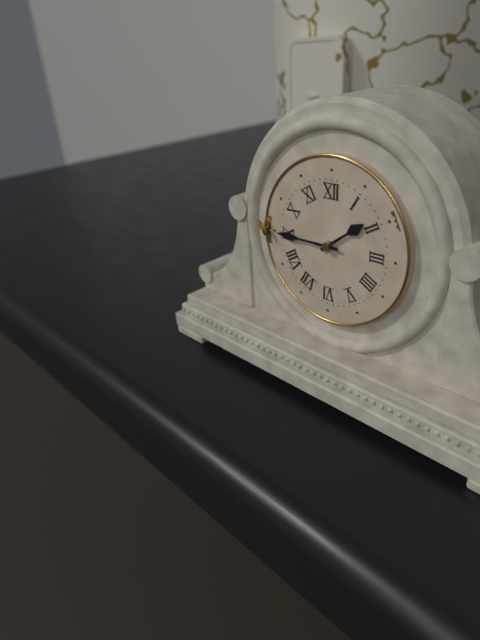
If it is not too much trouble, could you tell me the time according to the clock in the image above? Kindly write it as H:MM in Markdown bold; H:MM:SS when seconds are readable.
**1:45**
